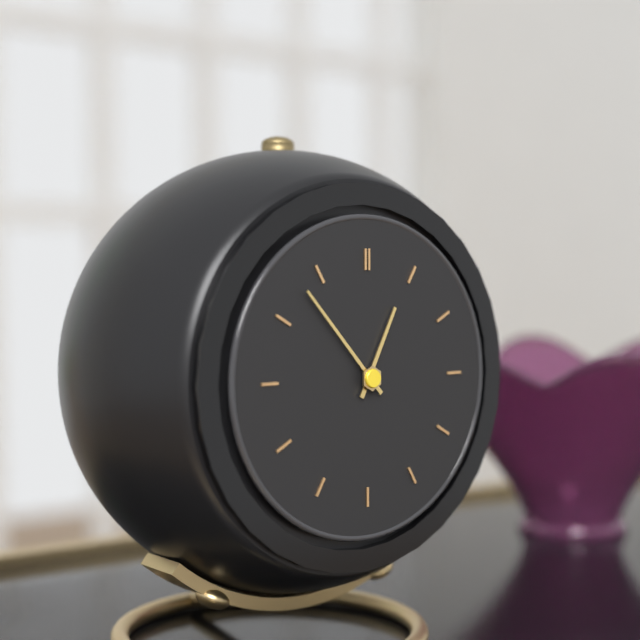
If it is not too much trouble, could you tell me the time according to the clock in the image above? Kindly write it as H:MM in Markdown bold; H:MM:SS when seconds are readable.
**12:53**
